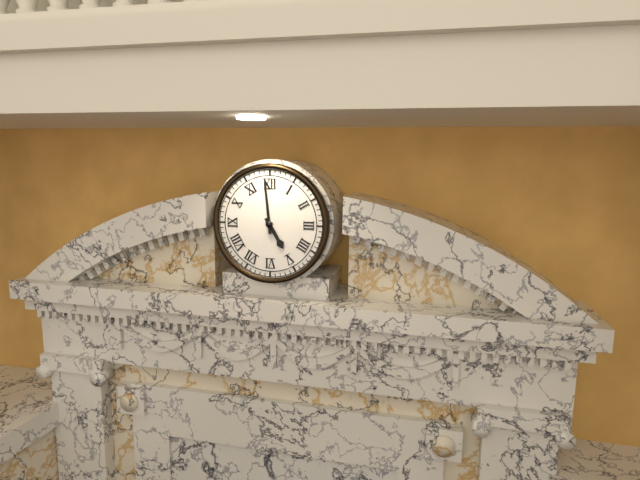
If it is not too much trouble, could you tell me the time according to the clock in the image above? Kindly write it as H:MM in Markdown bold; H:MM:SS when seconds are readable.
**4:59**
